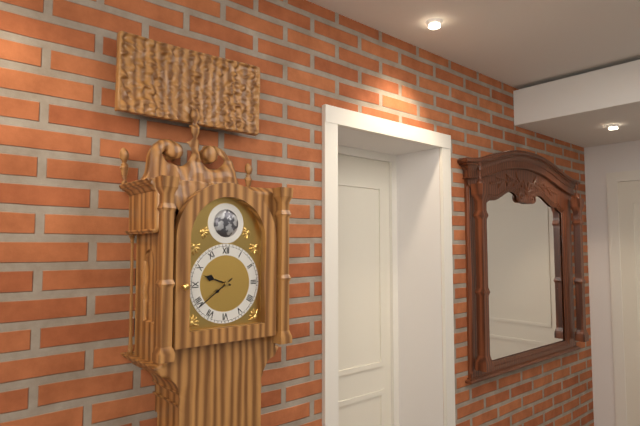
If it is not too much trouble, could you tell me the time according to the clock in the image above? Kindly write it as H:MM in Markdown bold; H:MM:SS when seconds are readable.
**9:39**
